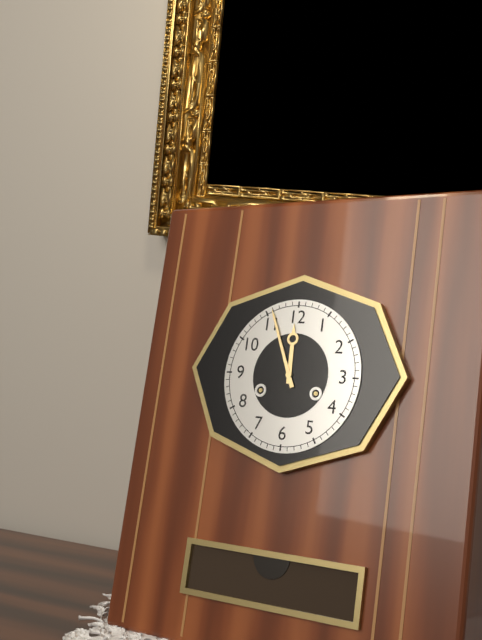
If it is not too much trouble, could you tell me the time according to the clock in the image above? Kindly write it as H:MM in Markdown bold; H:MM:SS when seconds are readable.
**11:56**
